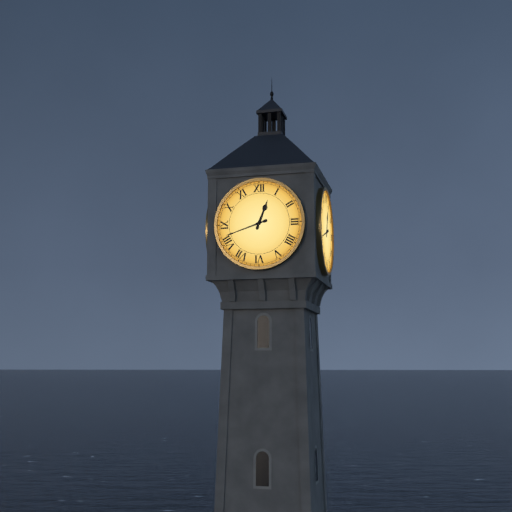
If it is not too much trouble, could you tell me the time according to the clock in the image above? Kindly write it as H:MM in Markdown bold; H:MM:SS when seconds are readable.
**12:42**
